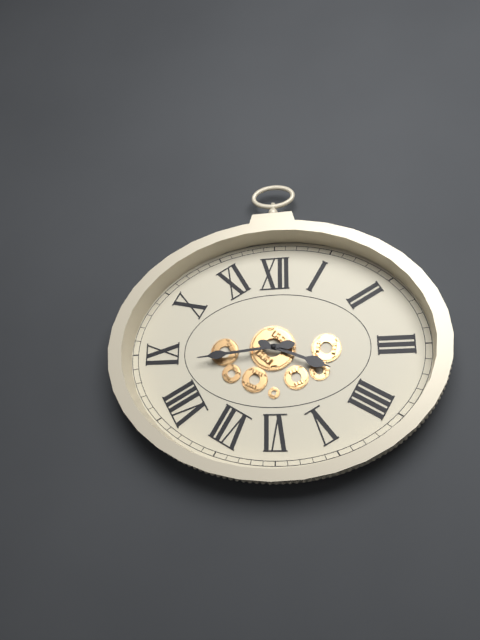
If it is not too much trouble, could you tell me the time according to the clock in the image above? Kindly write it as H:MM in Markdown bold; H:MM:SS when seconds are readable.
**3:44**
